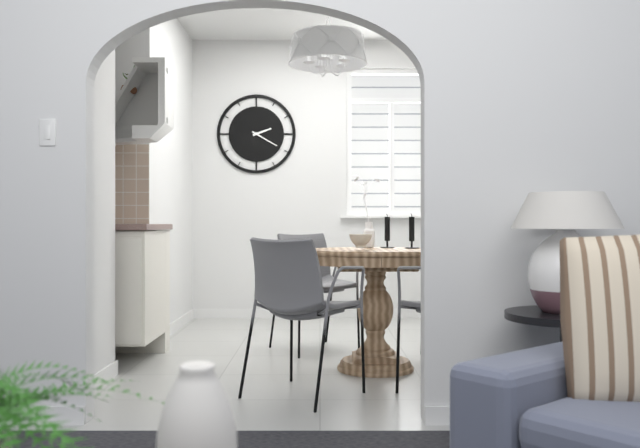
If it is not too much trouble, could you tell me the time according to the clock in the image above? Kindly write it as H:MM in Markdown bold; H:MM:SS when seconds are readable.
**2:20**
